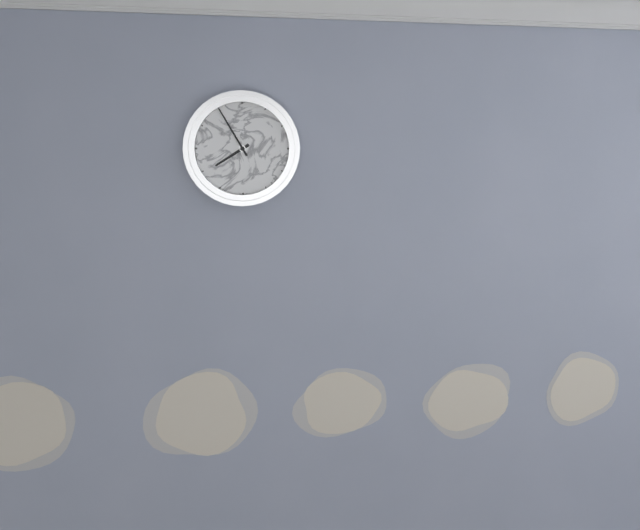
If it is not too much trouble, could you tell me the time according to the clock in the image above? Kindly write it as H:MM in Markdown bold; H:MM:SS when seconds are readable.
**7:55**
